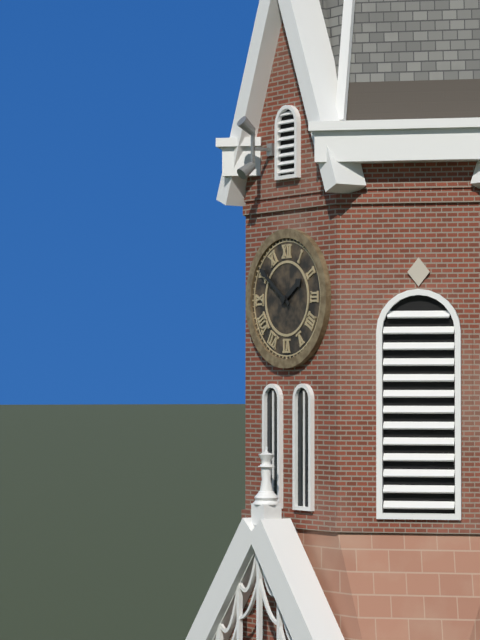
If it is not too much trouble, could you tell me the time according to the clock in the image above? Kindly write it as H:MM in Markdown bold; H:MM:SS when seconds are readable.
**1:51**
